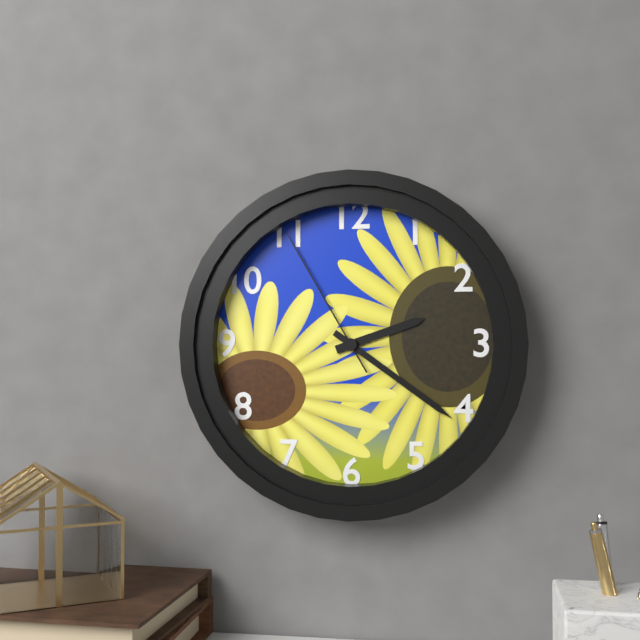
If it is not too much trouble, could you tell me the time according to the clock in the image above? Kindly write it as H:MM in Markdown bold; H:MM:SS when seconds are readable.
**2:21:55**
